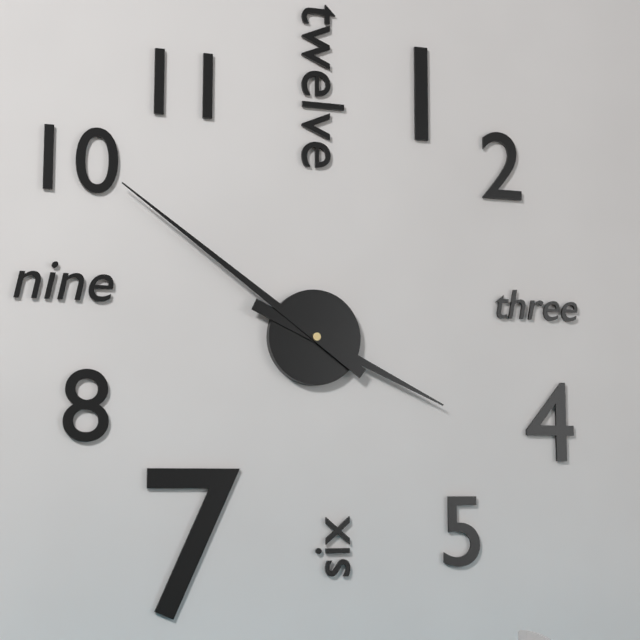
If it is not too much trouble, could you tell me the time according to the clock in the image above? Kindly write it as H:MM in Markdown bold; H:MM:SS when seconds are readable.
**3:51**
